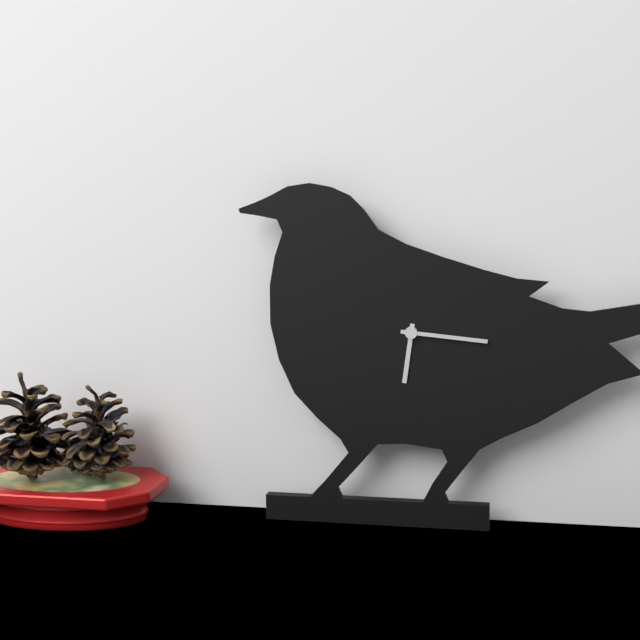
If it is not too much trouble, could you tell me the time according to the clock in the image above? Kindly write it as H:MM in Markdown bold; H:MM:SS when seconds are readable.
**6:16**
